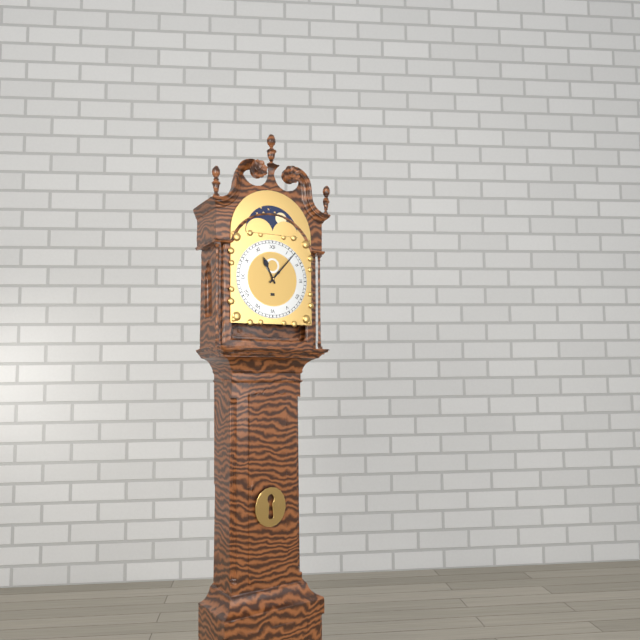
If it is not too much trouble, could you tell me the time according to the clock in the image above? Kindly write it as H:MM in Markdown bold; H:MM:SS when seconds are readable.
**11:07**
